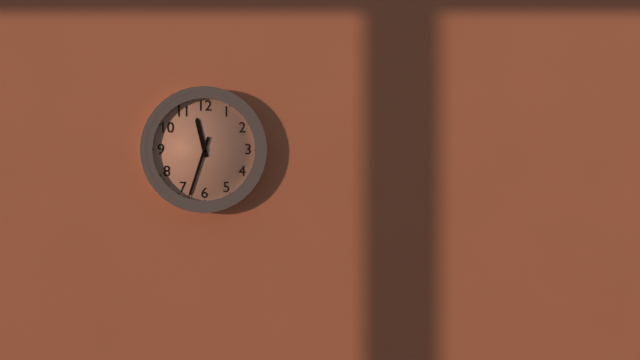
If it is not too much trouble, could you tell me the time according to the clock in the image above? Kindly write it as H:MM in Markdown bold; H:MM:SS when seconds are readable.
**11:33**
